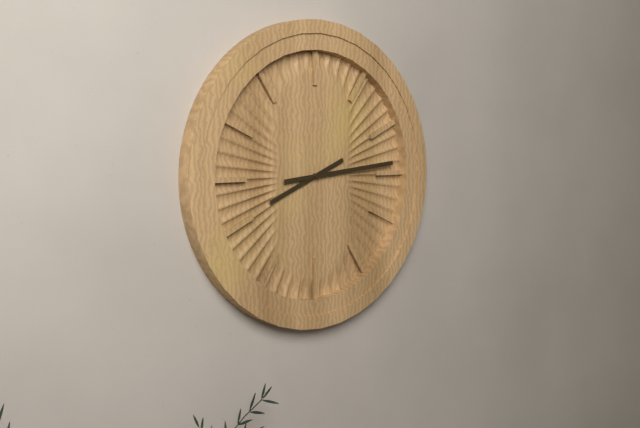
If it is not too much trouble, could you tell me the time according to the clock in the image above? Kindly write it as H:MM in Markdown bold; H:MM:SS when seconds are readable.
**8:14**
